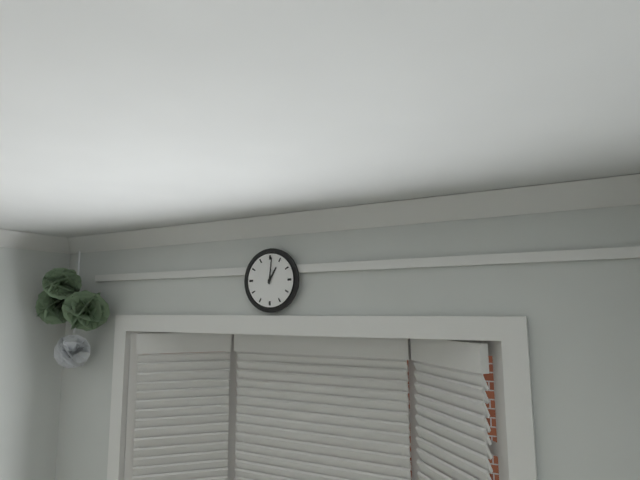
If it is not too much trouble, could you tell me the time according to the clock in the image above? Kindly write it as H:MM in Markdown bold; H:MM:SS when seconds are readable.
**1:01**
